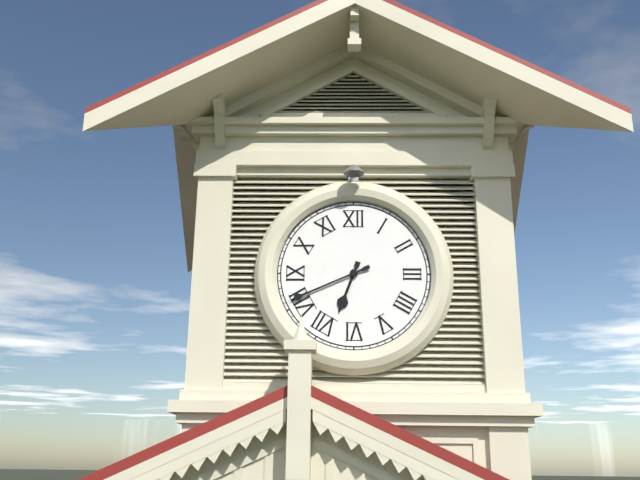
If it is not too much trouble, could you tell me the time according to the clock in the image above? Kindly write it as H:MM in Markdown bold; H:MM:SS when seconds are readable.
**6:41**
